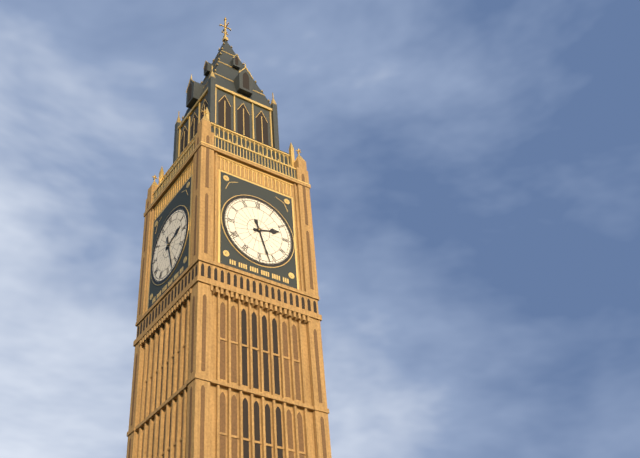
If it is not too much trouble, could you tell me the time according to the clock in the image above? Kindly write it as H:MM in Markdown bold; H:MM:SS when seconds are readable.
**2:27**
